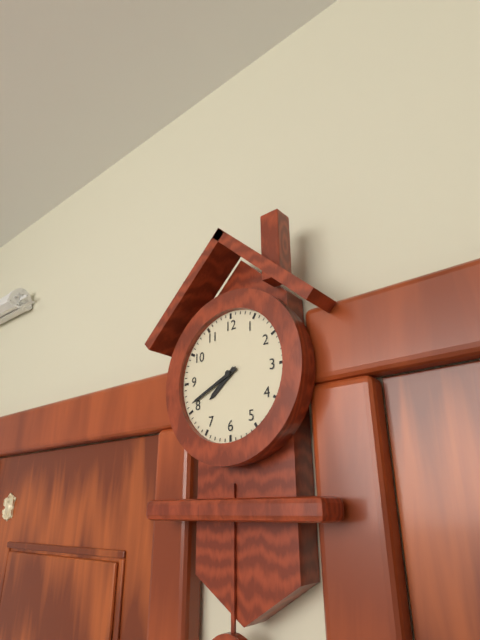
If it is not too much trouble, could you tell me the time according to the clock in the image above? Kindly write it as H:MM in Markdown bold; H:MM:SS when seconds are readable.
**7:41**
